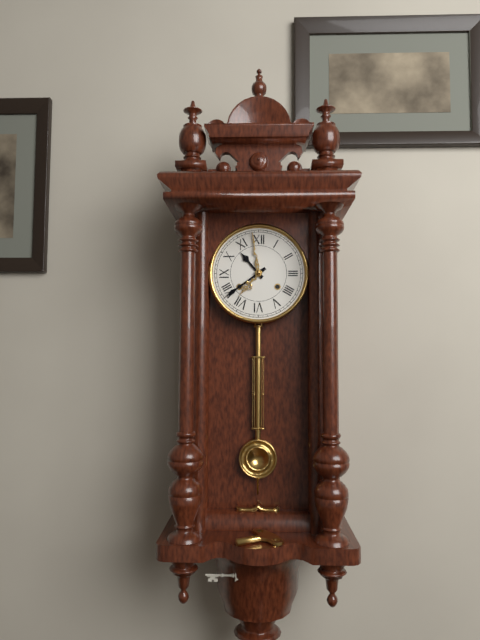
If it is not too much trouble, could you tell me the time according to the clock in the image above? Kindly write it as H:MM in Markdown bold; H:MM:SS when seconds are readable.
**10:39**
